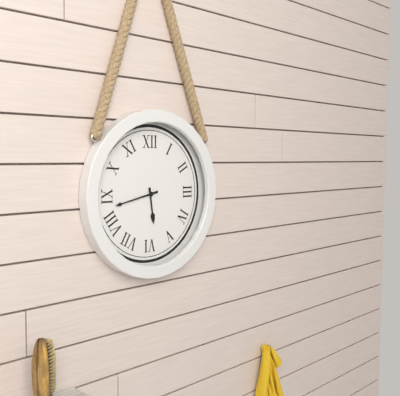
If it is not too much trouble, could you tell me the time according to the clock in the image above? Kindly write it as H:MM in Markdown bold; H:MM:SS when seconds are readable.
**5:43**
